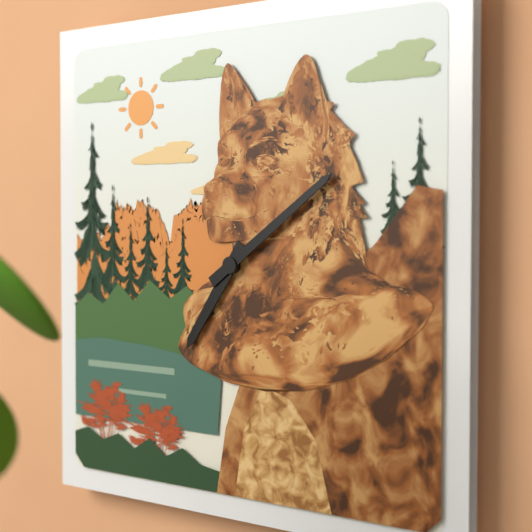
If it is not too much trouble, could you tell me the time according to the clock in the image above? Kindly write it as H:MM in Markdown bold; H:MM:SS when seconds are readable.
**7:09**
